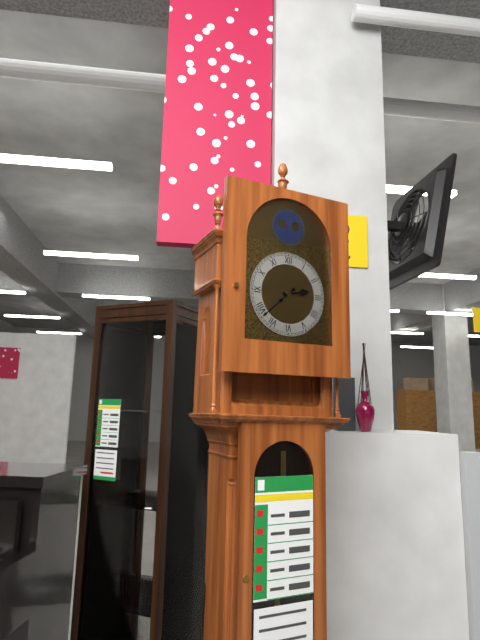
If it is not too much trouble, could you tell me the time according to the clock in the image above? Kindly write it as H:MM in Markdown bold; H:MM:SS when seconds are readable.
**2:38**
